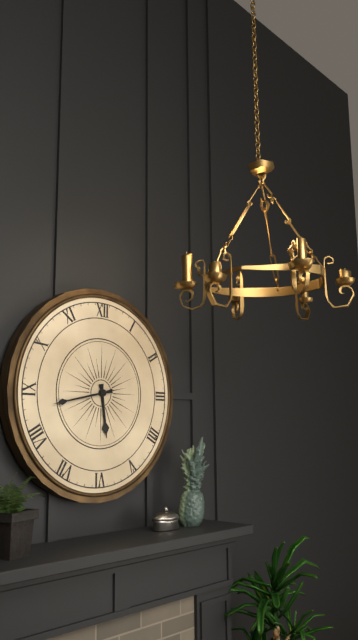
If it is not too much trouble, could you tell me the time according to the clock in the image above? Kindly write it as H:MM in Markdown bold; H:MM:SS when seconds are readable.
**5:43**
